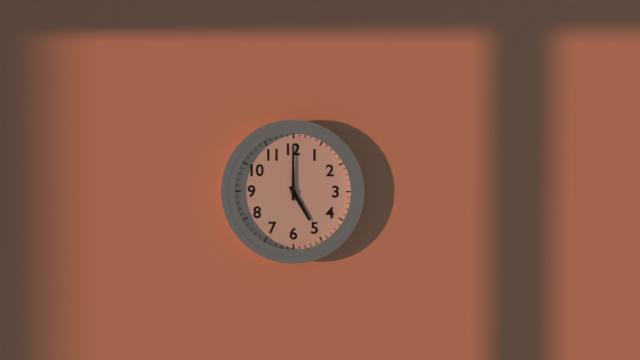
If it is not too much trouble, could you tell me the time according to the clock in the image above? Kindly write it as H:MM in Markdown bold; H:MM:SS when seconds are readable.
**5:00**
